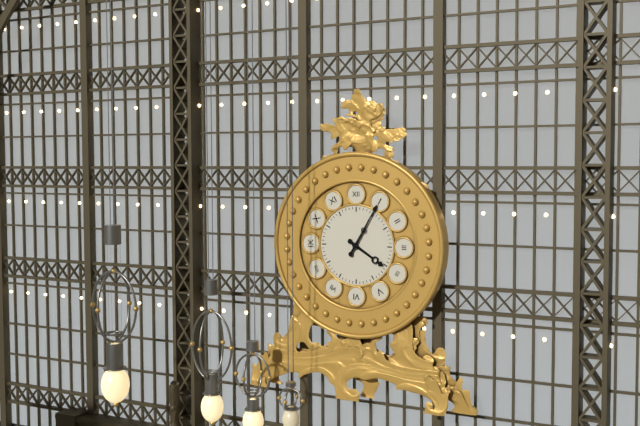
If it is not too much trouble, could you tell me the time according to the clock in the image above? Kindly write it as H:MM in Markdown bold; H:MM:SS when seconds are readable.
**4:05**
